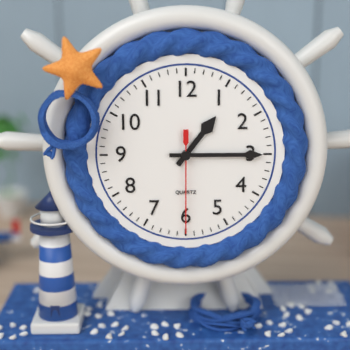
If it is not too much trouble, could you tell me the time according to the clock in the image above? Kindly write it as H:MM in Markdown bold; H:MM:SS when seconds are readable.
**1:15:30**
